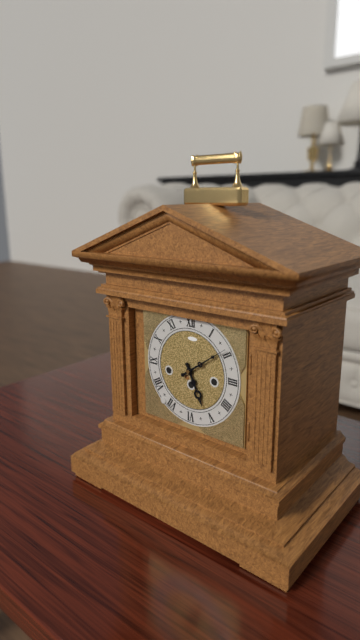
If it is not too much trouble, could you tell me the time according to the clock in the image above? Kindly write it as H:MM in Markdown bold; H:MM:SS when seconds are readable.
**5:09**
